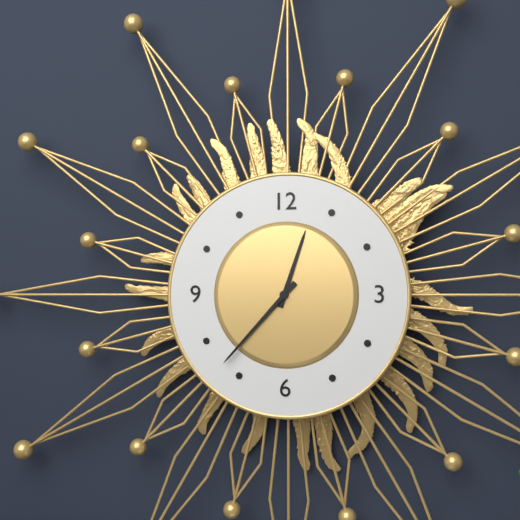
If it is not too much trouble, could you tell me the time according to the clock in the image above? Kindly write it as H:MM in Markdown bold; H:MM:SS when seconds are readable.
**12:37**
